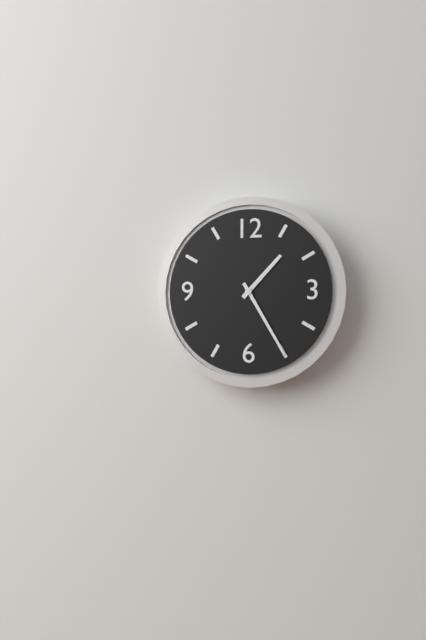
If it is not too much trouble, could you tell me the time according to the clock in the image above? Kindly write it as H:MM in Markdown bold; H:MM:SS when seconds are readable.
**1:25**
